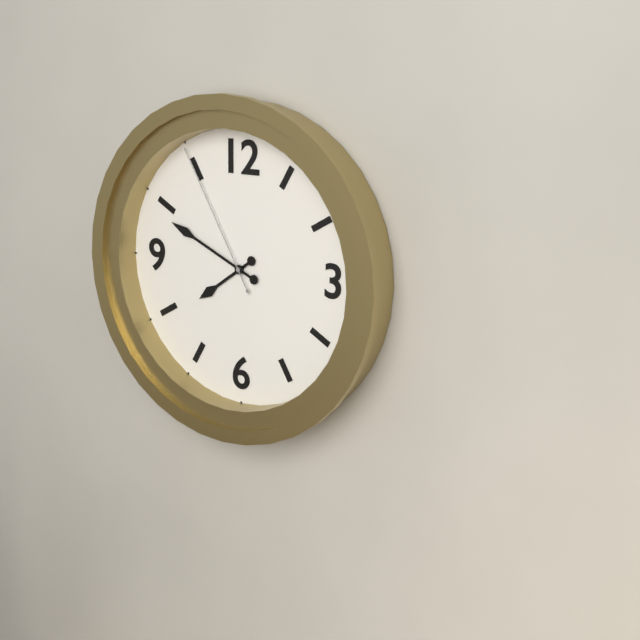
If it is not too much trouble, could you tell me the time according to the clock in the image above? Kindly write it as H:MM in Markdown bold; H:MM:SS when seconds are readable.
**7:49:55**
